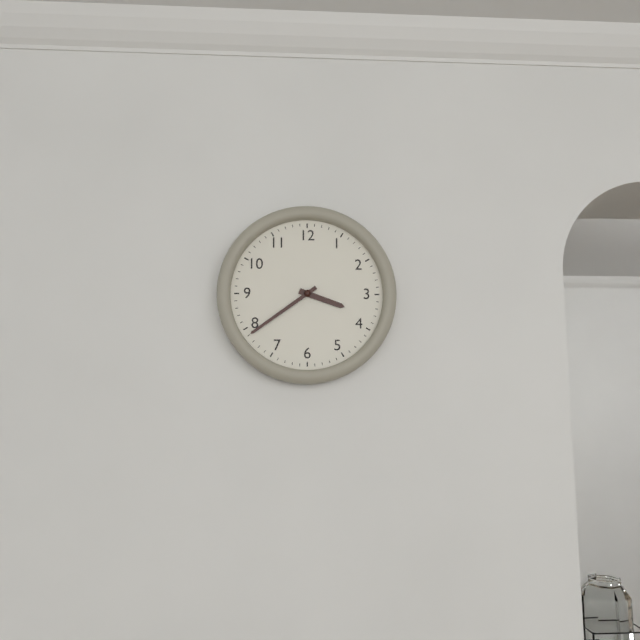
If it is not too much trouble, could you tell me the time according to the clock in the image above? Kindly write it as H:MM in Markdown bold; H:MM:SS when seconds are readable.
**3:39**
